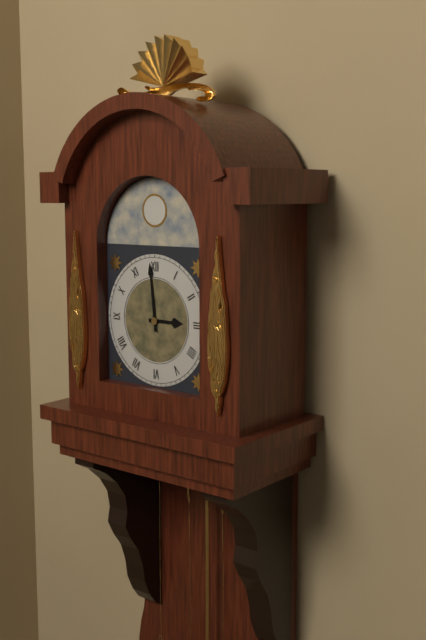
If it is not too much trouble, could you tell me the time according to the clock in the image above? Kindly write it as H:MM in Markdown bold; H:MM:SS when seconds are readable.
**2:59**
